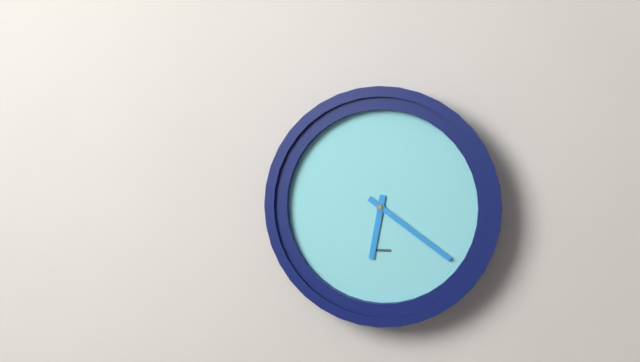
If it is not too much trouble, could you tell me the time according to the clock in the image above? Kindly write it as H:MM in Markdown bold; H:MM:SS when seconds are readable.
**6:21**
